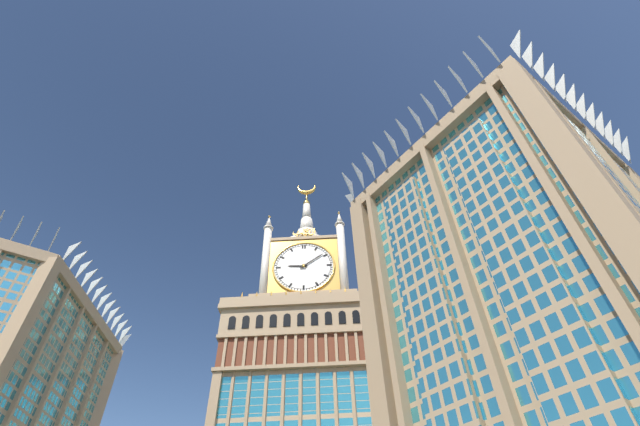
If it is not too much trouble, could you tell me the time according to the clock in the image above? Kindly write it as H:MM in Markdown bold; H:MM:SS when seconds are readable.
**9:09**
